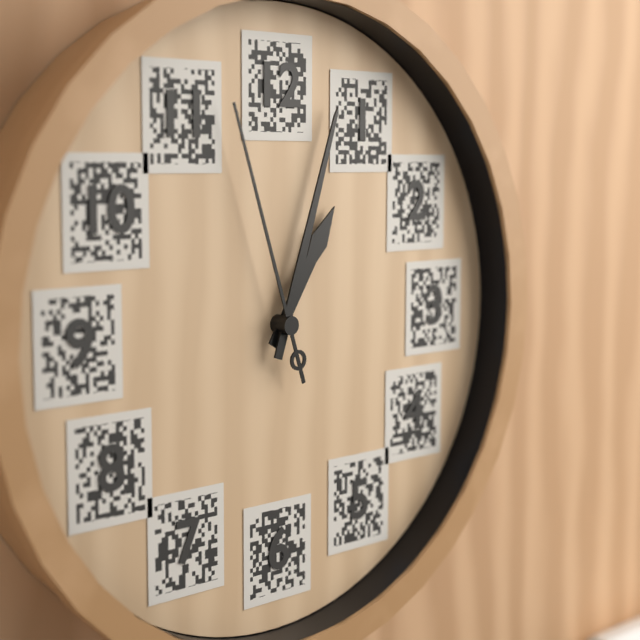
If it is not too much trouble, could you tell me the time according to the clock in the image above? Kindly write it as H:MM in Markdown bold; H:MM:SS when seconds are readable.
**1:03:57**
